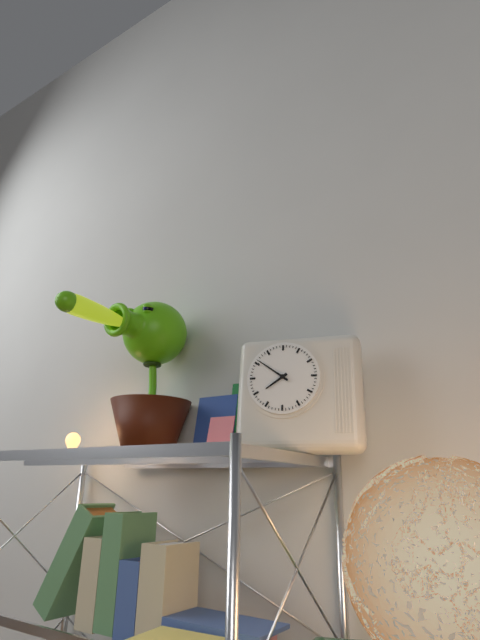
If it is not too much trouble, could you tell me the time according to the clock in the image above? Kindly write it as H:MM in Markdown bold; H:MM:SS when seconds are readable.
**7:51**
